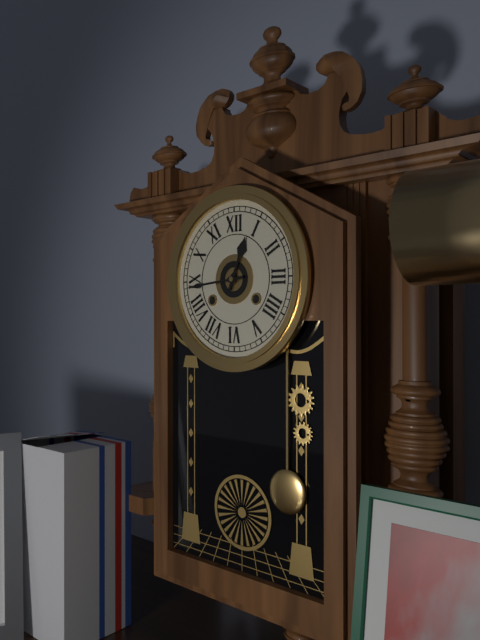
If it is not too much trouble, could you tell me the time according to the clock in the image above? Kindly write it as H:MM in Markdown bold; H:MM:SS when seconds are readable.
**12:44**
